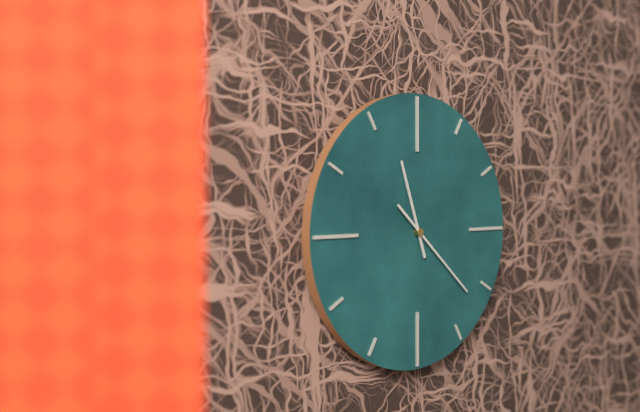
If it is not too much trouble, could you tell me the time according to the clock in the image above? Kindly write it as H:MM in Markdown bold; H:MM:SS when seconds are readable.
**11:22**
